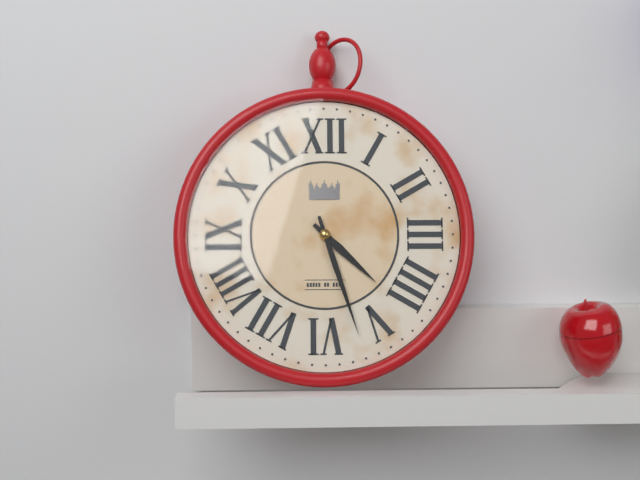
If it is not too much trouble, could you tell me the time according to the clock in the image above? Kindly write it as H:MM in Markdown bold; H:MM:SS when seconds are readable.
**4:27**
